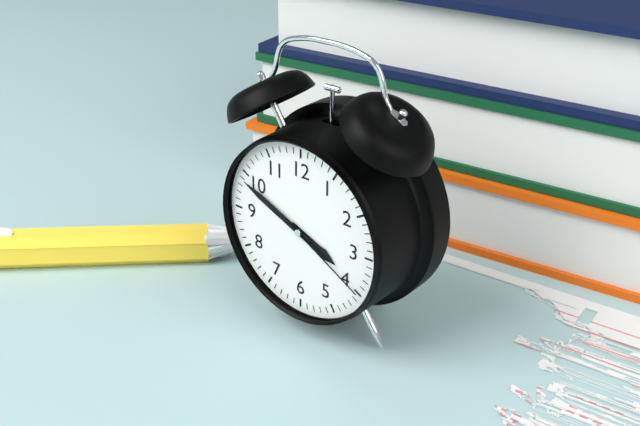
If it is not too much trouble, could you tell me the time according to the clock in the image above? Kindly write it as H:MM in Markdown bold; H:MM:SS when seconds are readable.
**3:49:20**
